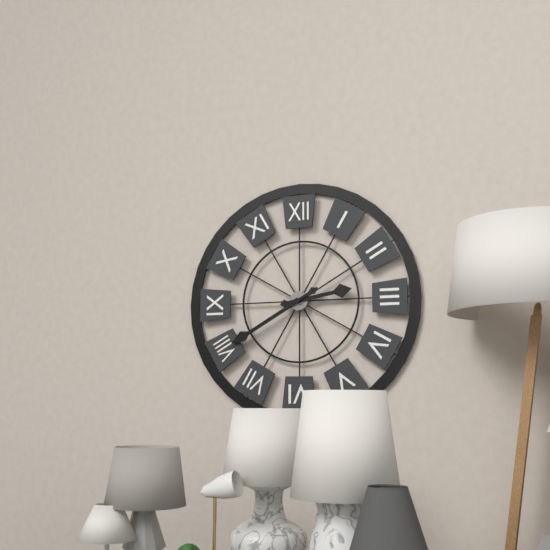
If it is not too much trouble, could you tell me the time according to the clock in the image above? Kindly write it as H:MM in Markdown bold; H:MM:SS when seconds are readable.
**2:40**
